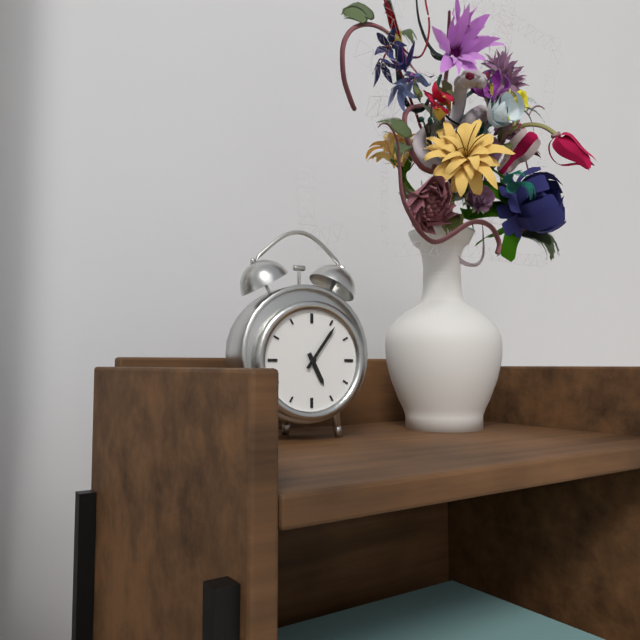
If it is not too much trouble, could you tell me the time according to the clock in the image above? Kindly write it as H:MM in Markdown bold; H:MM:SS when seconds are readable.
**5:06**
